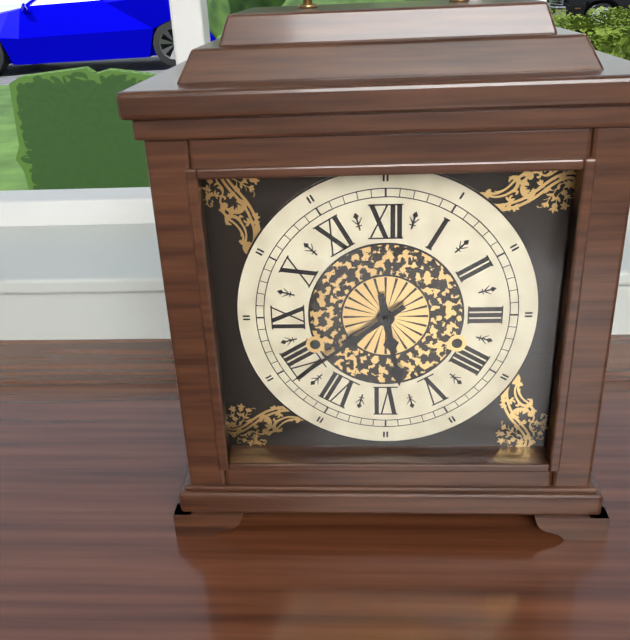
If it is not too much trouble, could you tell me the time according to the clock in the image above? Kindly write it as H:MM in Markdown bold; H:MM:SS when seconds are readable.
**5:39**
